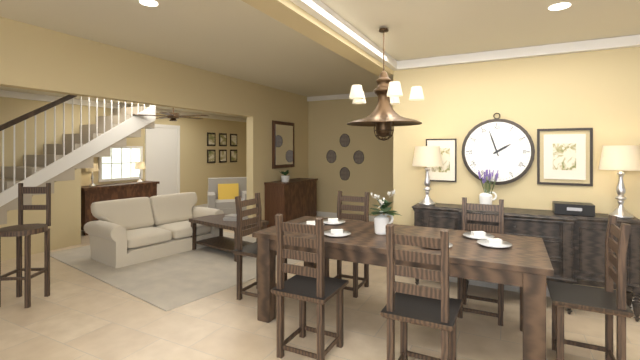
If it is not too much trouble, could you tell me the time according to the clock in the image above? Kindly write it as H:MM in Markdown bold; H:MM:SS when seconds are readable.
**1:57**
